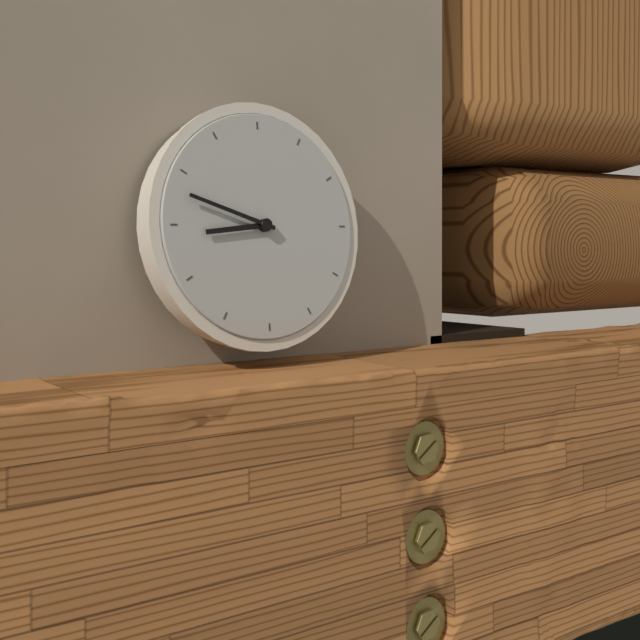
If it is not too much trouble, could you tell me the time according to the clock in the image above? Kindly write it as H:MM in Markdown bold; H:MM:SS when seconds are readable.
**8:48**
